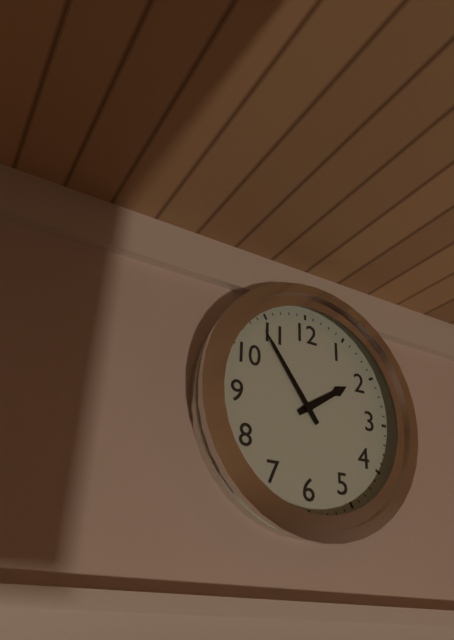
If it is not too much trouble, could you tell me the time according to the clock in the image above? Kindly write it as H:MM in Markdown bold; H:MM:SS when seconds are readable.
**1:54**
